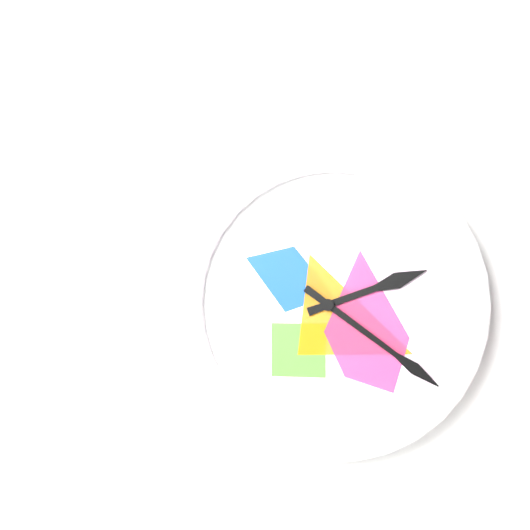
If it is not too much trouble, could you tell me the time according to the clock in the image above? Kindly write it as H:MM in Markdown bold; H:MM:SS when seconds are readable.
**2:21**
